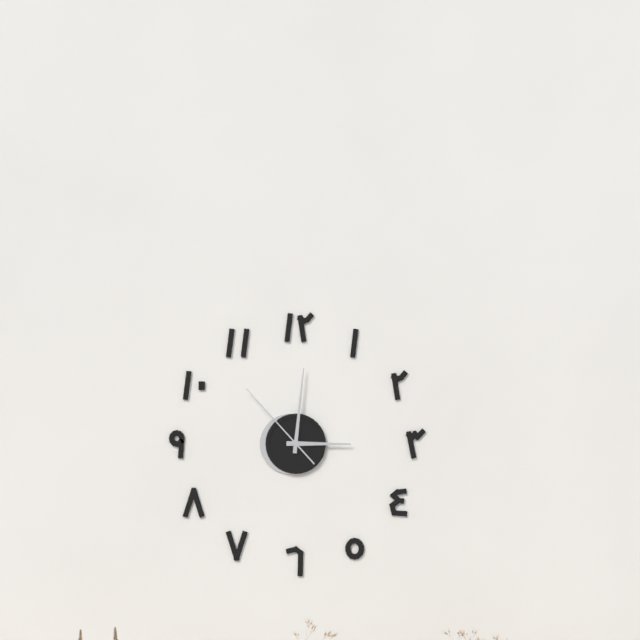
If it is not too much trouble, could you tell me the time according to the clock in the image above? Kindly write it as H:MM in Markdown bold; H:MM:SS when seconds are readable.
**3:01:53**
